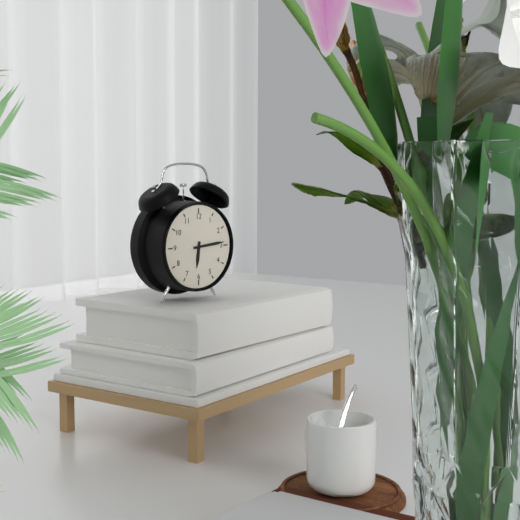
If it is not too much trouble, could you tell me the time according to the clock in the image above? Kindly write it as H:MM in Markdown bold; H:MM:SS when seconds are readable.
**6:14**
